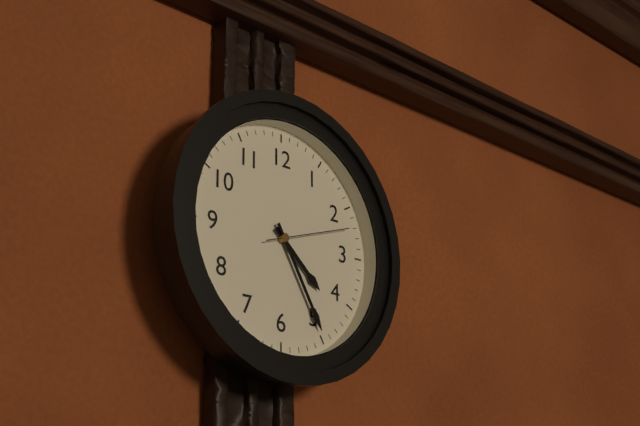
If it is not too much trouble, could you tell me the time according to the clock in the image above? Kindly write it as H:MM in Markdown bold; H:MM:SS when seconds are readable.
**4:25:12**
